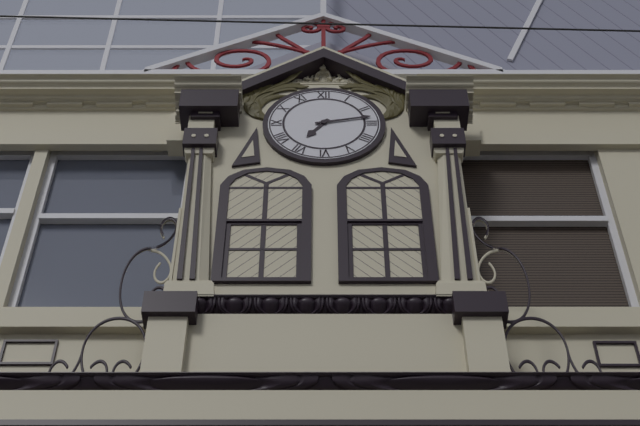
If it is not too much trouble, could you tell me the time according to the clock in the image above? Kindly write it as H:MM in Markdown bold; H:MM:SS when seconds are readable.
**7:13**
